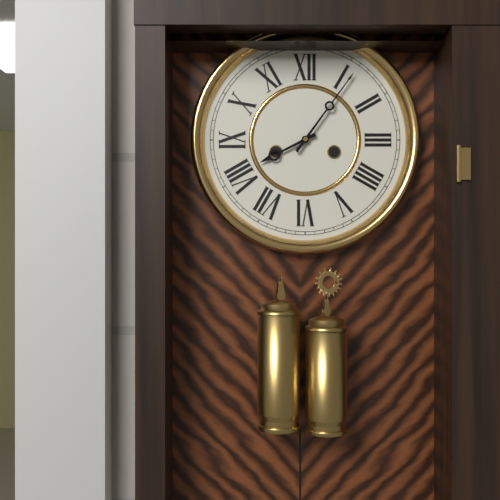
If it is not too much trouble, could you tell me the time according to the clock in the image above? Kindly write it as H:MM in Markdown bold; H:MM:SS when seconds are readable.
**8:06**
